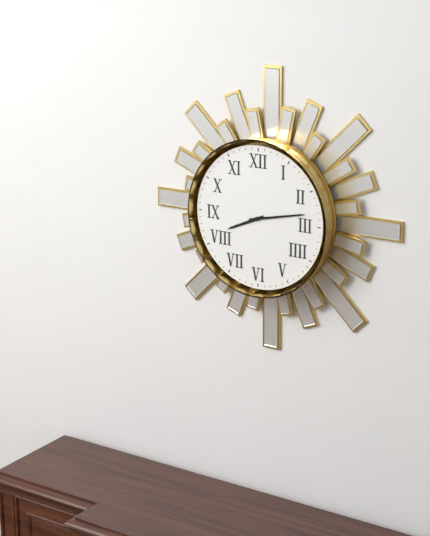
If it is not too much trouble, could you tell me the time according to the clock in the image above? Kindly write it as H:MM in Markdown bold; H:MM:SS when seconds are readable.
**8:13**
